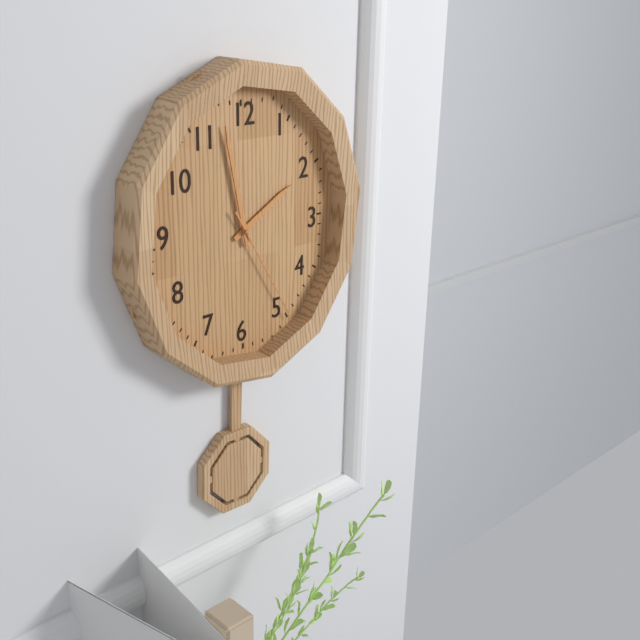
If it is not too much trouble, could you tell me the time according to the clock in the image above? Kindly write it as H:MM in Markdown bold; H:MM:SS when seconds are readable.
**1:58:25**
